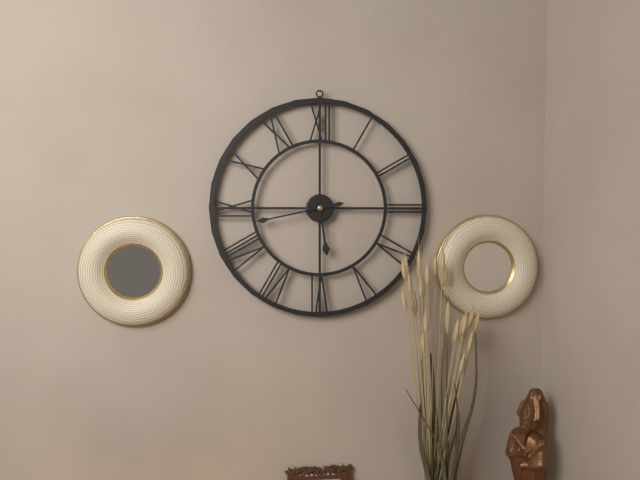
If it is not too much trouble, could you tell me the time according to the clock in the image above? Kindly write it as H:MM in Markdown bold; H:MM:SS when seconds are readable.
**5:43**
